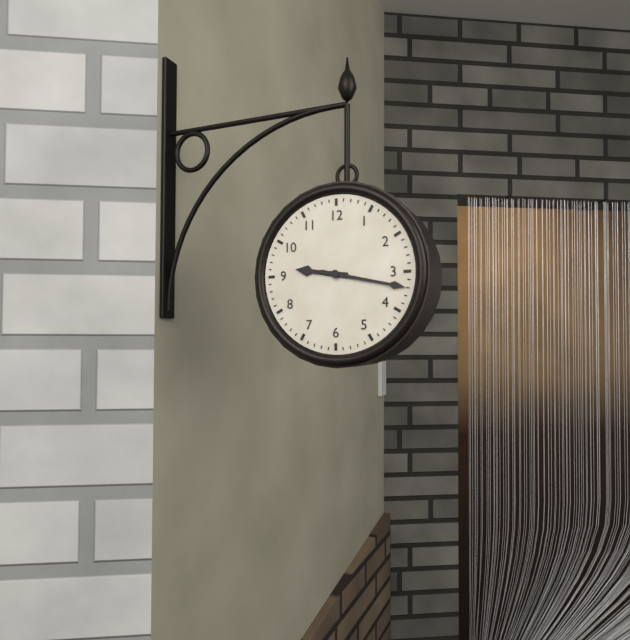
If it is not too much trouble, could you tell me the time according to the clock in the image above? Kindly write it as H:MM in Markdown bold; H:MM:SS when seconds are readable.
**9:17**
